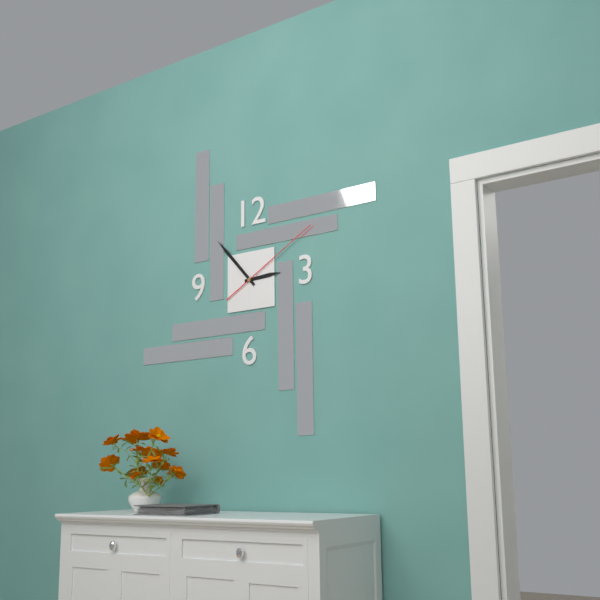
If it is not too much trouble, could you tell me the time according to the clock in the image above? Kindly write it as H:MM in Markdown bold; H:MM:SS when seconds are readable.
**2:53:10**
